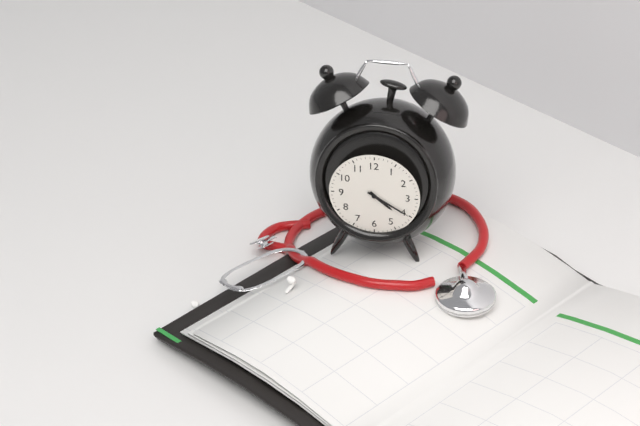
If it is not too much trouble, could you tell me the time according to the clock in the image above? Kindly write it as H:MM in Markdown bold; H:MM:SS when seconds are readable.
**4:20**
